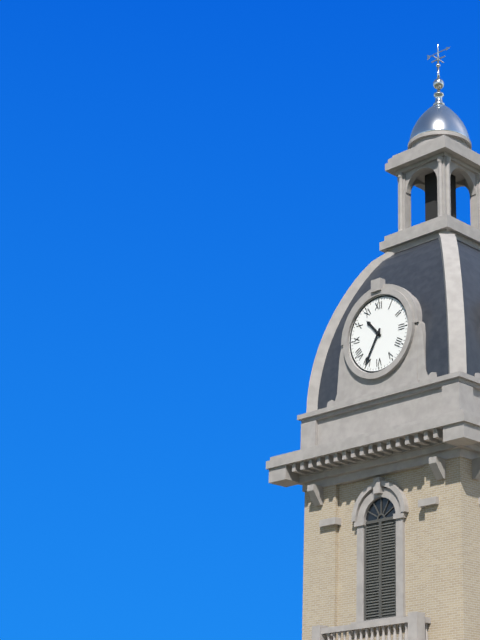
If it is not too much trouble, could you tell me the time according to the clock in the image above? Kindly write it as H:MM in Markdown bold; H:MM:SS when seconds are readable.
**10:35**
